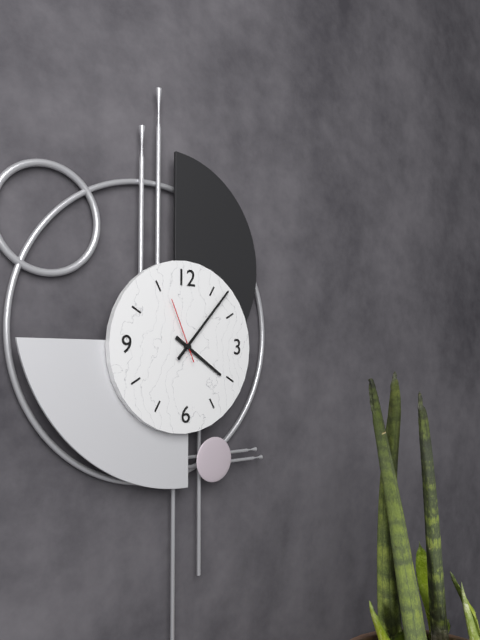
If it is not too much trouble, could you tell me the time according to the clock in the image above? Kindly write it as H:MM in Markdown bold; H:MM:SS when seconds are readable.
**4:07:56**
